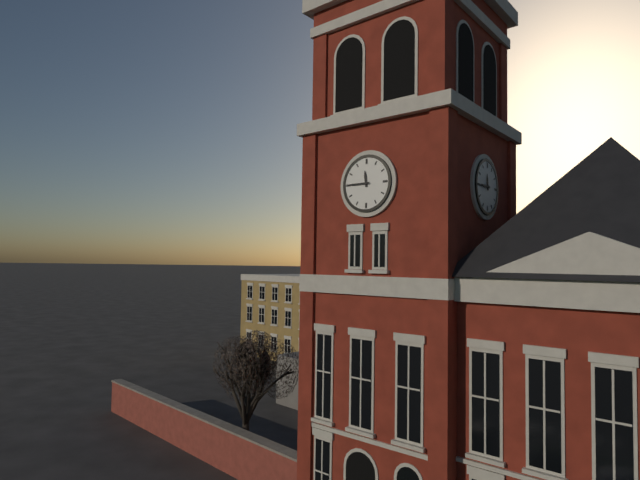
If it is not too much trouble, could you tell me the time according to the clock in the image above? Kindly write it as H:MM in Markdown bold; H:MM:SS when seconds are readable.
**11:45**
